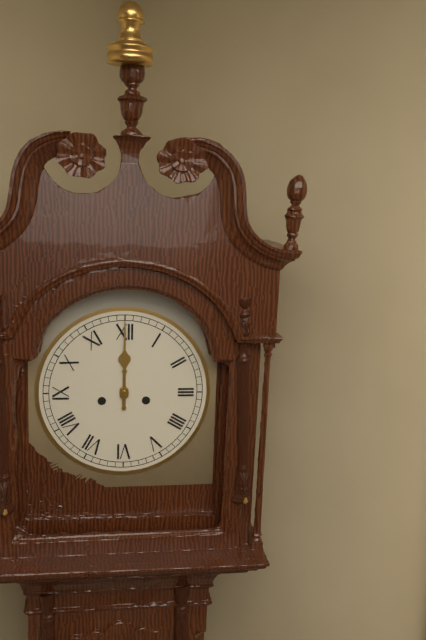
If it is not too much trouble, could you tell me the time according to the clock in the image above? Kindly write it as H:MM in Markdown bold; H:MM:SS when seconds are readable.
**12:00**
